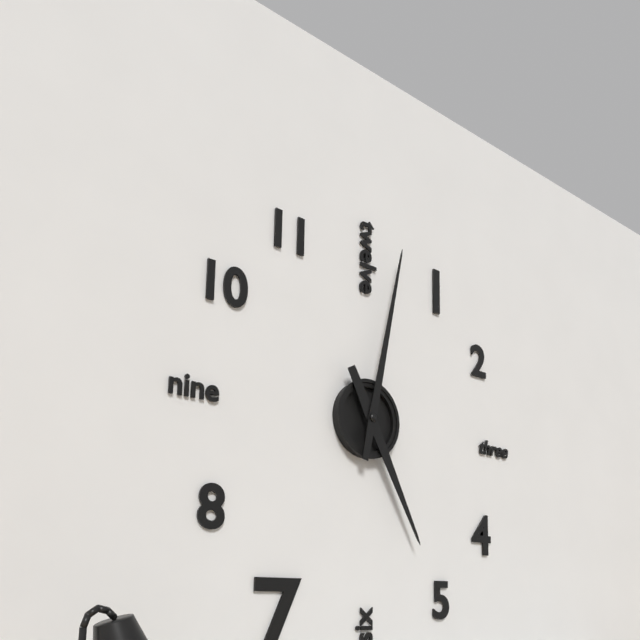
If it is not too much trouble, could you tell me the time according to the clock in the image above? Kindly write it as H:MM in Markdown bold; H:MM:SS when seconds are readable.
**5:02**
